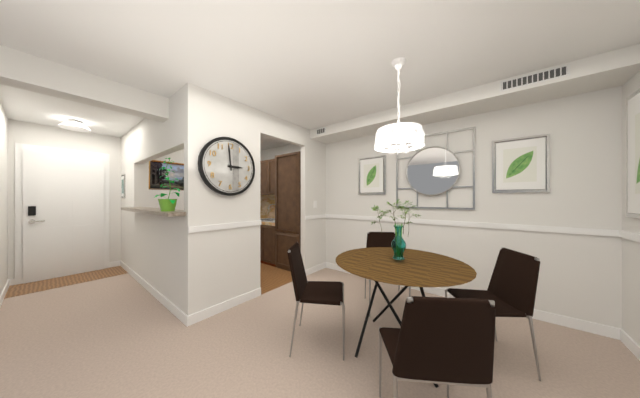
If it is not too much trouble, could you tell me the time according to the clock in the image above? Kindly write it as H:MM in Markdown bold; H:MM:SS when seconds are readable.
**2:59**
